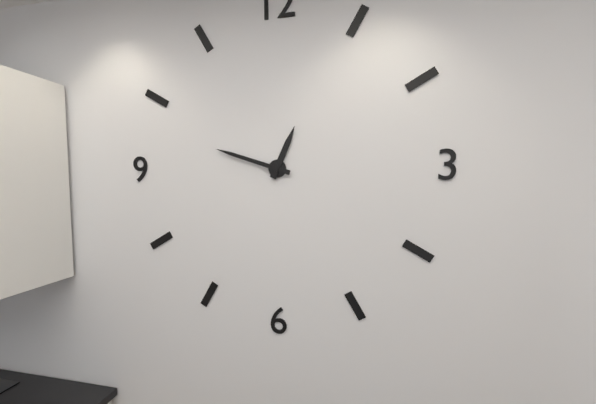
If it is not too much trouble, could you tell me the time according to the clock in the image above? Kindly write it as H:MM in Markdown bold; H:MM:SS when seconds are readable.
**12:48**
